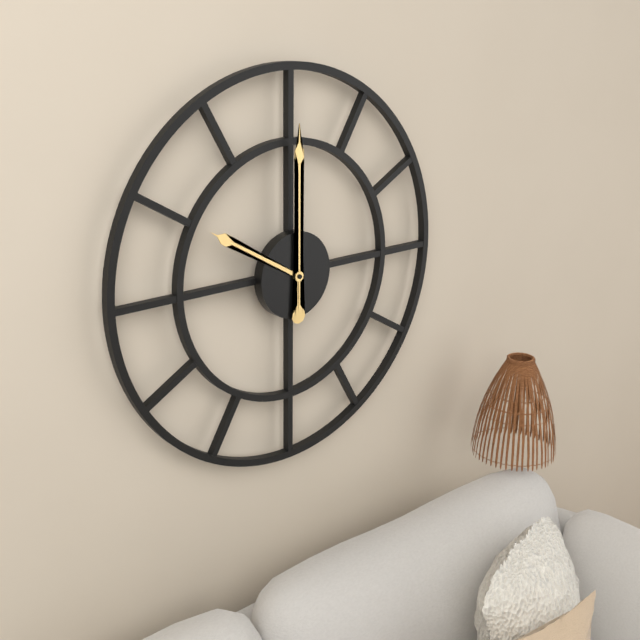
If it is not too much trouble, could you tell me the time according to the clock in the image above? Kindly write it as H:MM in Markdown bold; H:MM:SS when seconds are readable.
**10:00**
